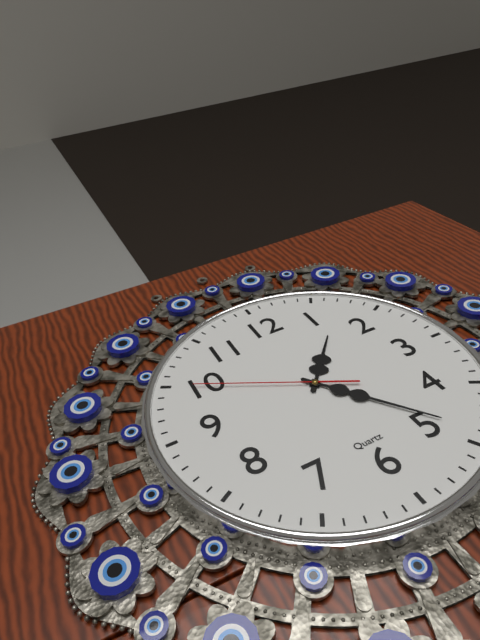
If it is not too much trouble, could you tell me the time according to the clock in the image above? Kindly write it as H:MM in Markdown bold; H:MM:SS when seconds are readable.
**1:24:50**
